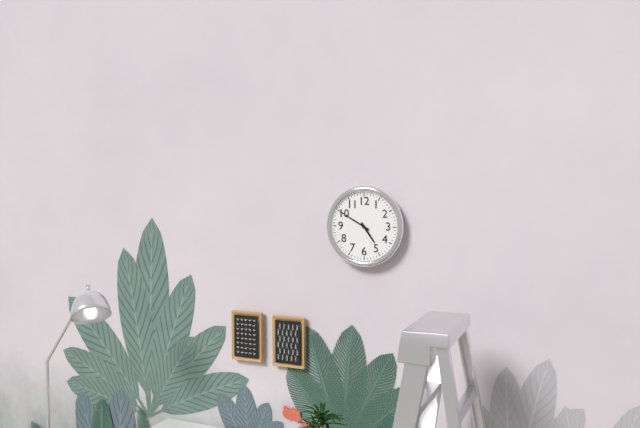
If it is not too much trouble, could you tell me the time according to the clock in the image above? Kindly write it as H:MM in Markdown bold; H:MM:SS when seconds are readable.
**4:50**
